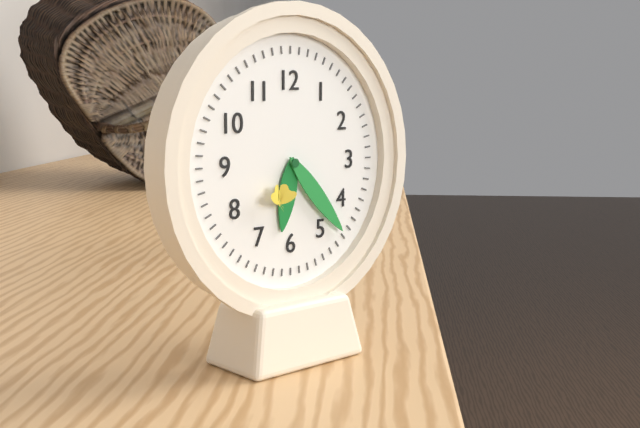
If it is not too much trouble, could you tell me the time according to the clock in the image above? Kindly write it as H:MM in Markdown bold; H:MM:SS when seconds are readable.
**6:23**
